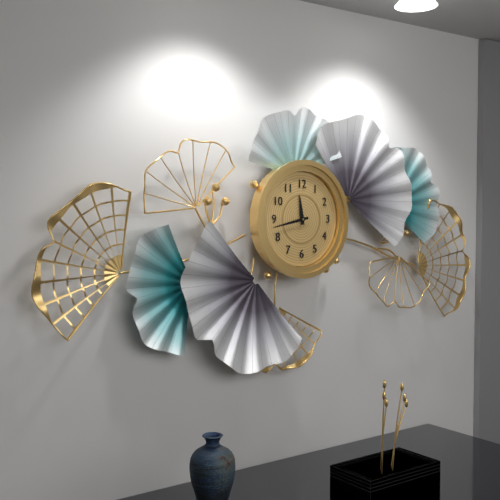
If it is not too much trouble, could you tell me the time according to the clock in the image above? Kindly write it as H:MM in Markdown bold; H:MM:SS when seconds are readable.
**11:43**
